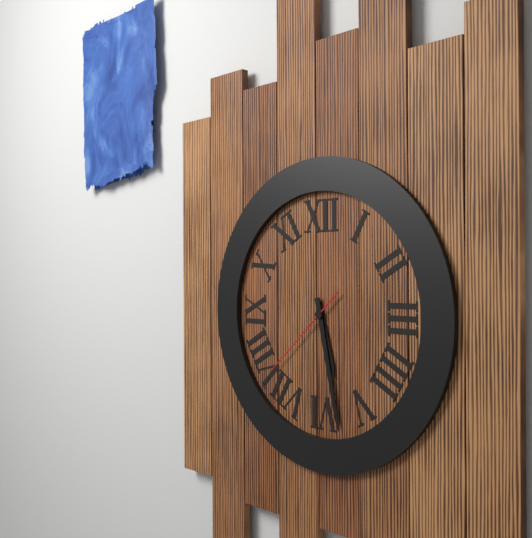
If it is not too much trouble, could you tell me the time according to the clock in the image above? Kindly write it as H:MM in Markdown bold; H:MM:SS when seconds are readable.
**5:28:38**
